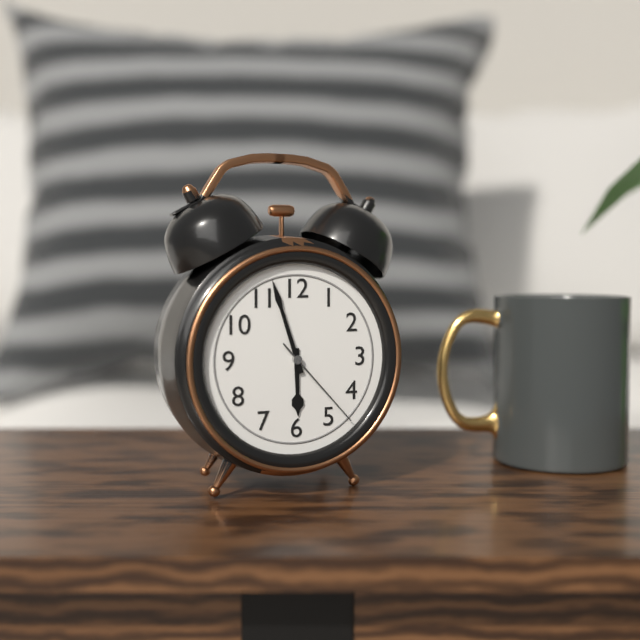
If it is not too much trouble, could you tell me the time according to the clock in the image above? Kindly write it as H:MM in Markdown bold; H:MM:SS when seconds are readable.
**5:57:23**
